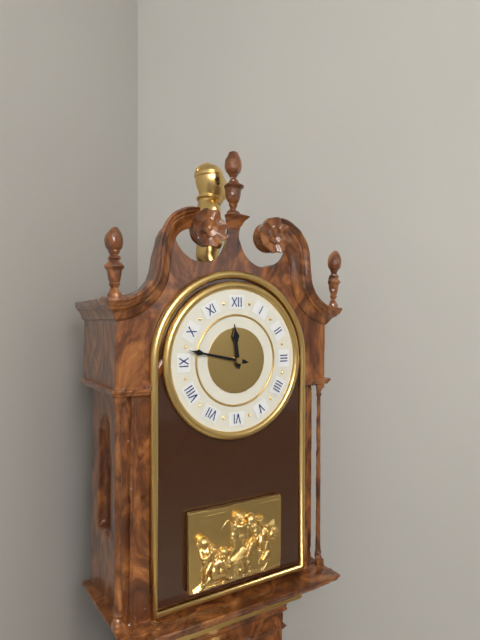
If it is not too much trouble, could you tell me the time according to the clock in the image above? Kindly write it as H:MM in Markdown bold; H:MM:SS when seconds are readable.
**11:47**
